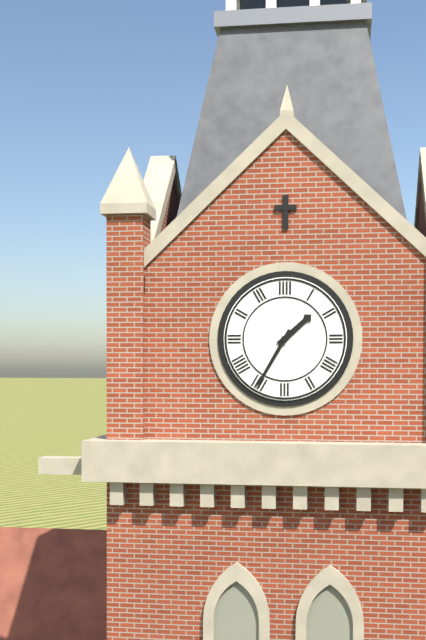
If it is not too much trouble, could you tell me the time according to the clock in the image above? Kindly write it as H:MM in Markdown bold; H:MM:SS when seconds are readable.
**1:35**
